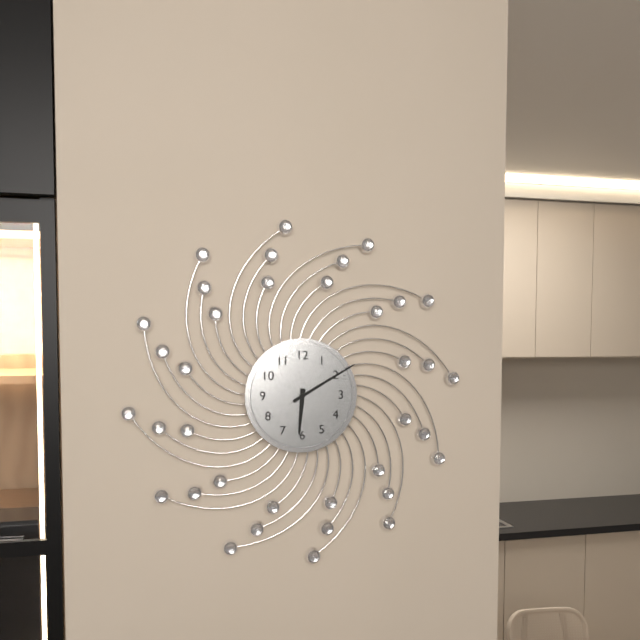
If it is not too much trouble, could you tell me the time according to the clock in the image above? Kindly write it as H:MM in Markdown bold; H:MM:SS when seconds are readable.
**6:10**
